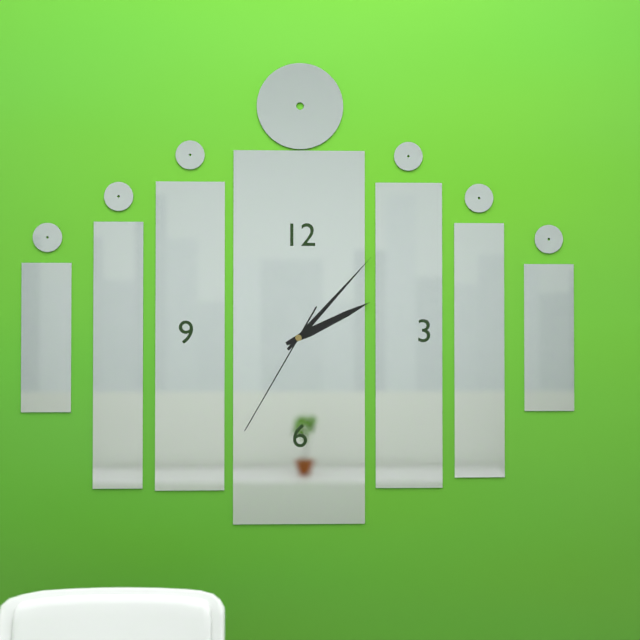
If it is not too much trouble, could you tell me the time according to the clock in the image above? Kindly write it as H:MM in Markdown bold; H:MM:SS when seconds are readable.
**2:07:35**
